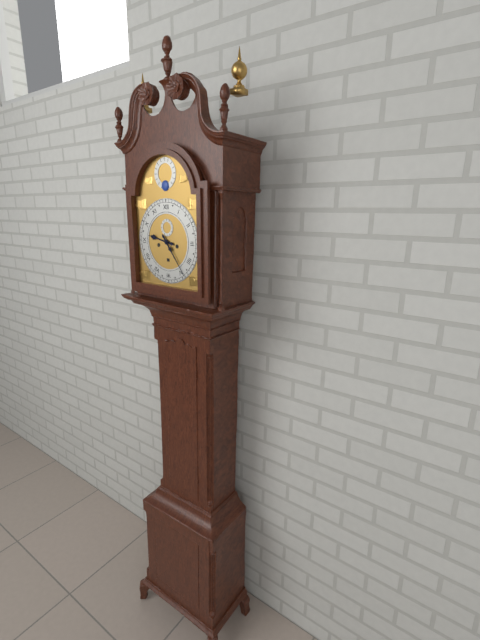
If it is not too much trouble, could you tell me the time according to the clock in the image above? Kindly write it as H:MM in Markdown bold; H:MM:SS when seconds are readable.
**9:24**
